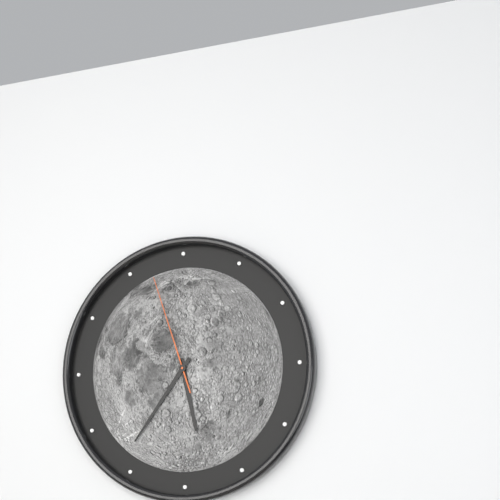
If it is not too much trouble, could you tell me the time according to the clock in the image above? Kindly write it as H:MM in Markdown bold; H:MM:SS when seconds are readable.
**5:36:57**
